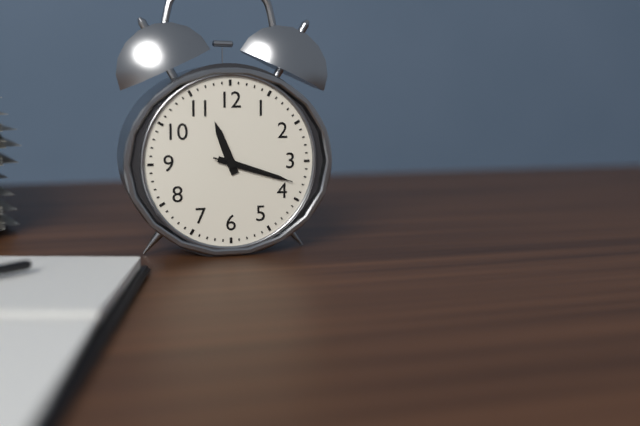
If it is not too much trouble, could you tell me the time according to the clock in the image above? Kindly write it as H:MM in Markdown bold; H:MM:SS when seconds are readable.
**11:18:18**
